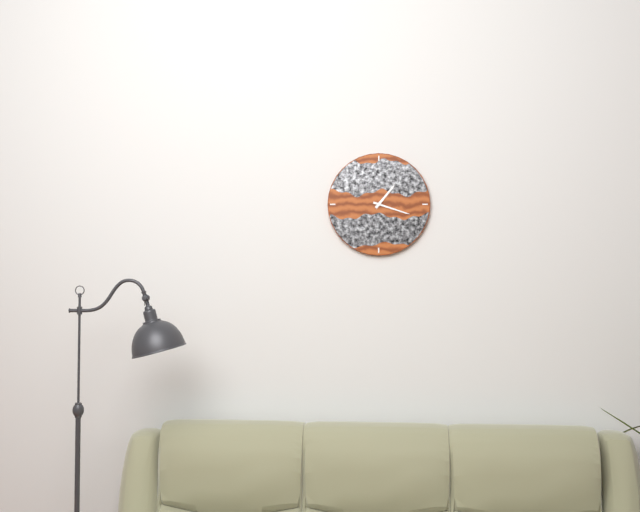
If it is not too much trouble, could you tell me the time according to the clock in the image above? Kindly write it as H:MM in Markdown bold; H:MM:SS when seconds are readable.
**1:18**
